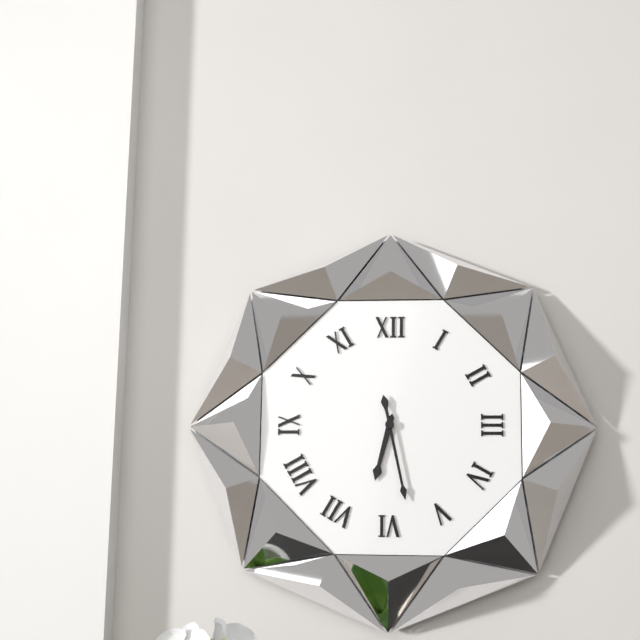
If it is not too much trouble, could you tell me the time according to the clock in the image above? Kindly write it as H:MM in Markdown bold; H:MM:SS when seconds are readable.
**6:28**
